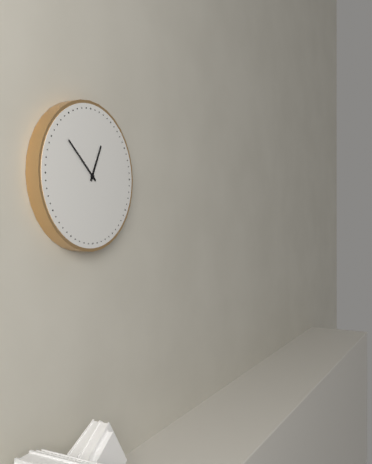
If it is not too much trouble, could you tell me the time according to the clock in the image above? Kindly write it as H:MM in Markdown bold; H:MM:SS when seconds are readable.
**12:52**
